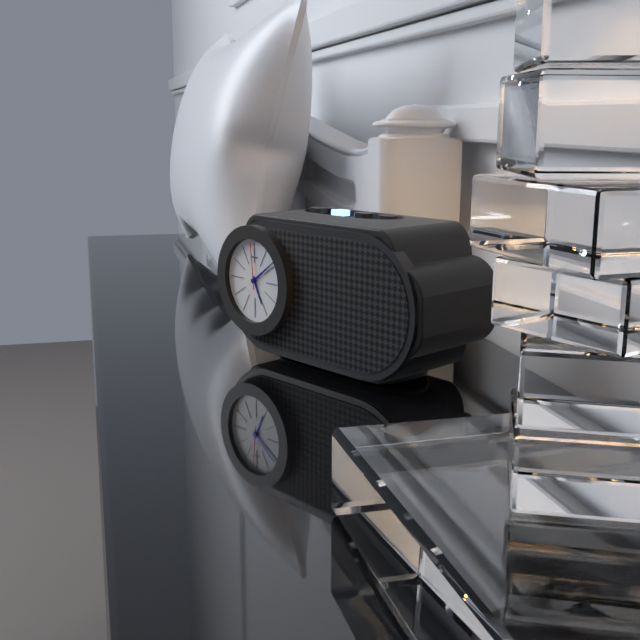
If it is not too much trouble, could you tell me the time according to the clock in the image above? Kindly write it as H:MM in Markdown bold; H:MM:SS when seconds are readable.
**5:09:59**
